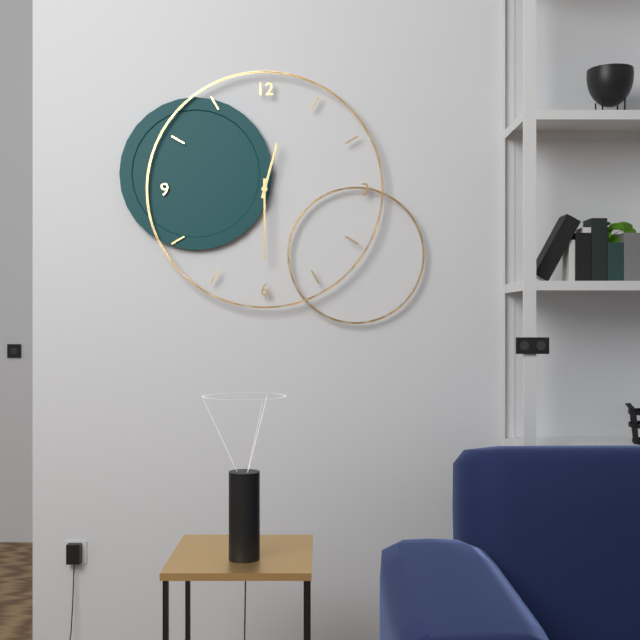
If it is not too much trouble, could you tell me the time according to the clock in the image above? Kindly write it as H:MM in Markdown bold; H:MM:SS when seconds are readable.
**12:30**
